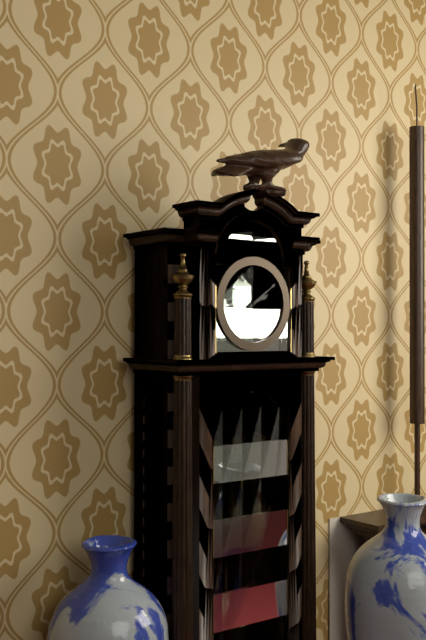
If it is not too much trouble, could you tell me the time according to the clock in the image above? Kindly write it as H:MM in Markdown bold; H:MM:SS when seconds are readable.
**2:09**
